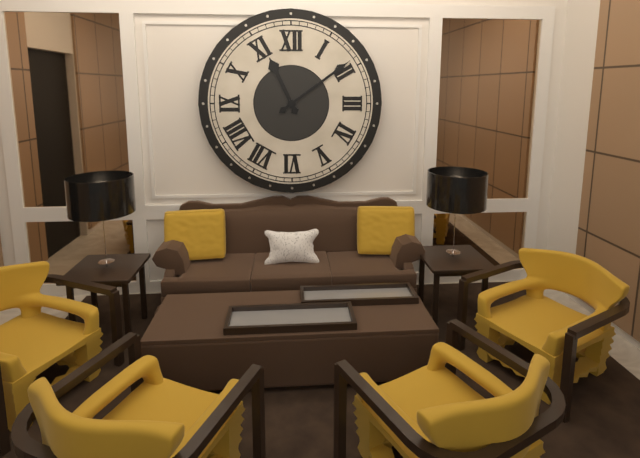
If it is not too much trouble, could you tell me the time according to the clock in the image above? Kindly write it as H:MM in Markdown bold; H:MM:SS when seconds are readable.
**11:09**
